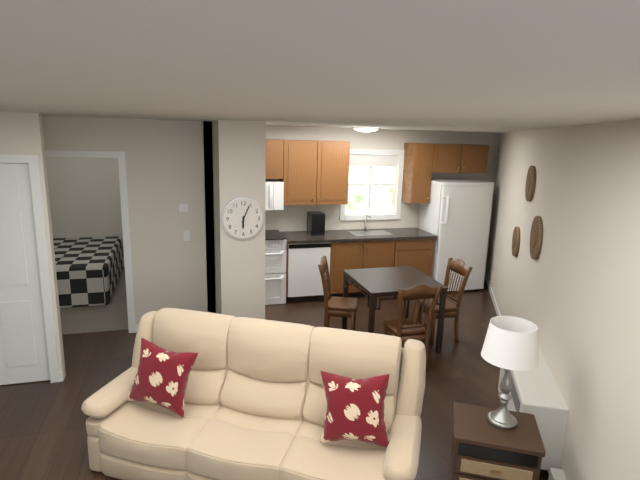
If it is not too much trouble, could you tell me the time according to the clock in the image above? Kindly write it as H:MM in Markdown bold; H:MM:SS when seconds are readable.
**6:04**
